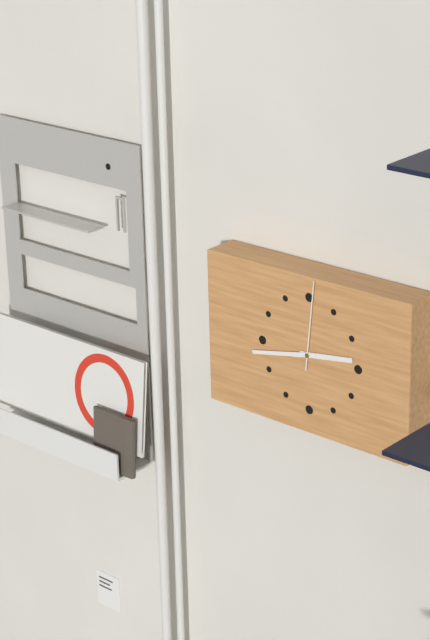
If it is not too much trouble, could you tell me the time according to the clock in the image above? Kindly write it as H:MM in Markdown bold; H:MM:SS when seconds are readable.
**2:43:01**
